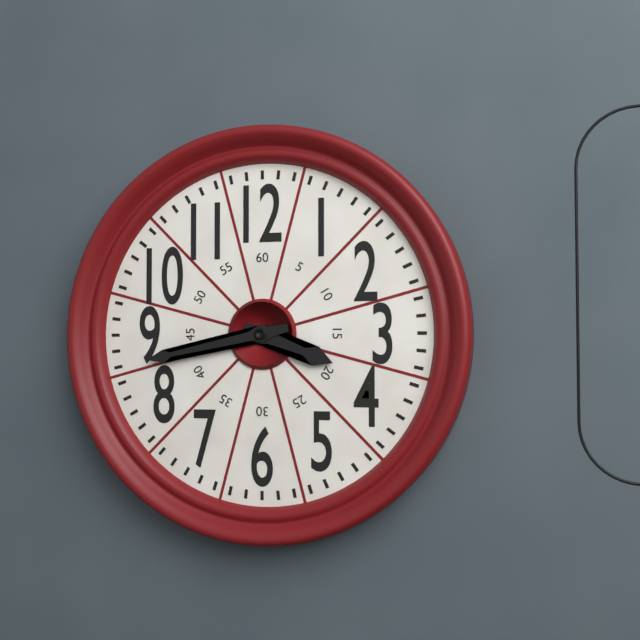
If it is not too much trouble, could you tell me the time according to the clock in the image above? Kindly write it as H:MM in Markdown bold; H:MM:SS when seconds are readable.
**3:43**
